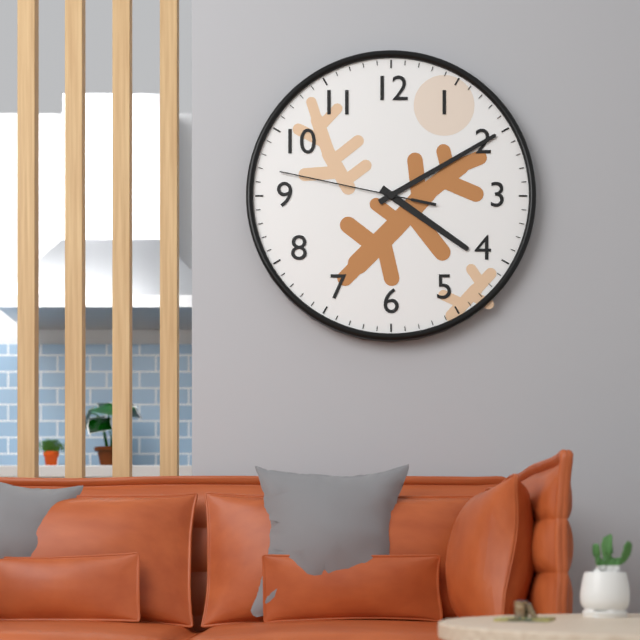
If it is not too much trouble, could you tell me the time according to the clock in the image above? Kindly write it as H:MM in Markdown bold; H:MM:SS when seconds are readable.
**4:10:47**
